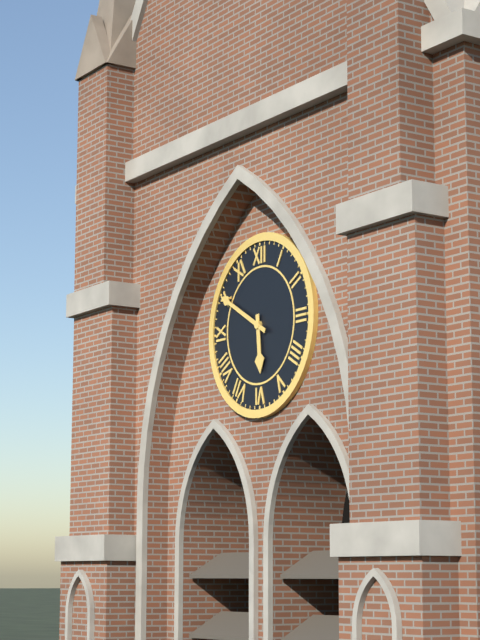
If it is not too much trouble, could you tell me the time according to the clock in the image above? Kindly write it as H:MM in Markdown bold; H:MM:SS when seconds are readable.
**5:50**
